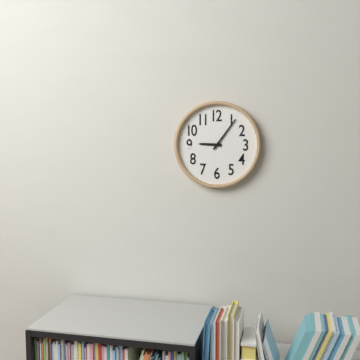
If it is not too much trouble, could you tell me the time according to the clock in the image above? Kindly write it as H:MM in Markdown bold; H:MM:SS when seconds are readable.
**9:06**
